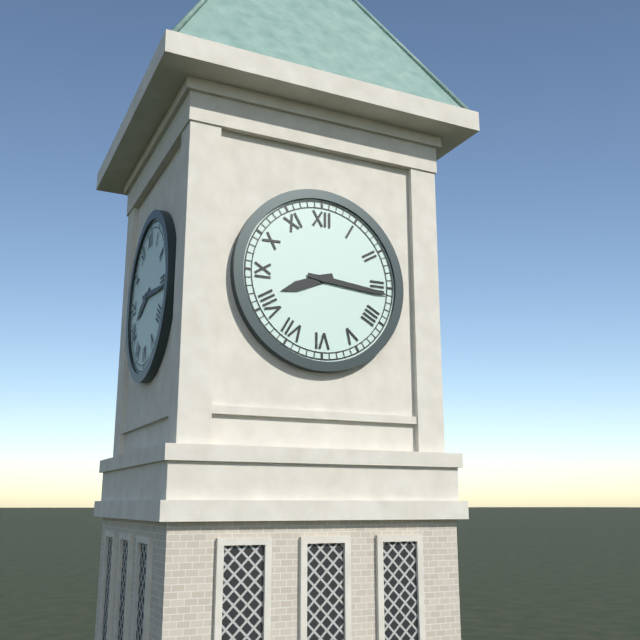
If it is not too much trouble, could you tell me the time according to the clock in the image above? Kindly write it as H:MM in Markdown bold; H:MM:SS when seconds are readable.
**8:16**
